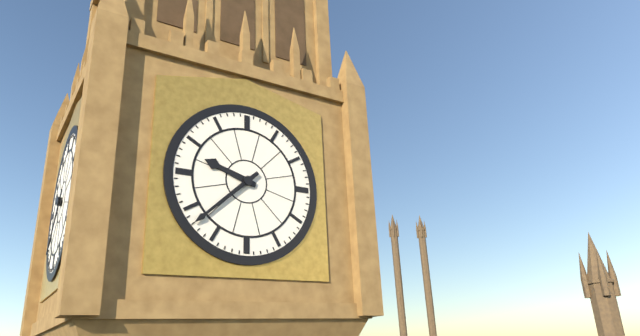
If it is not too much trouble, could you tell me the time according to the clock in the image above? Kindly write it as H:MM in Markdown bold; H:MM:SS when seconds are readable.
**9:38**
